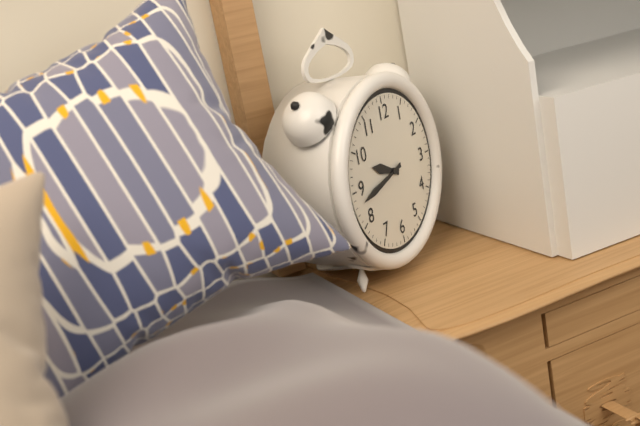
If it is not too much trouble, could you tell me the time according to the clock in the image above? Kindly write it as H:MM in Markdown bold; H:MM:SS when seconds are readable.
**9:43**
